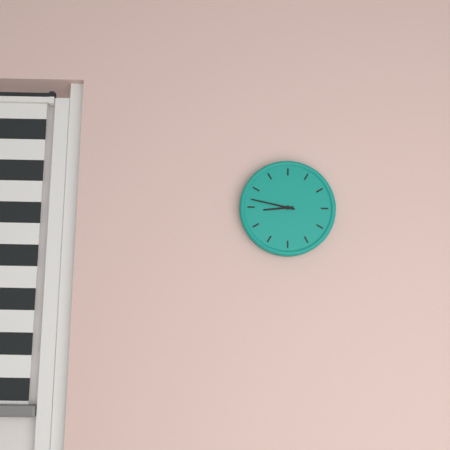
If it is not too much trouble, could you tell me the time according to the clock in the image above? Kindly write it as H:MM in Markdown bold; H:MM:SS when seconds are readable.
**8:47**
